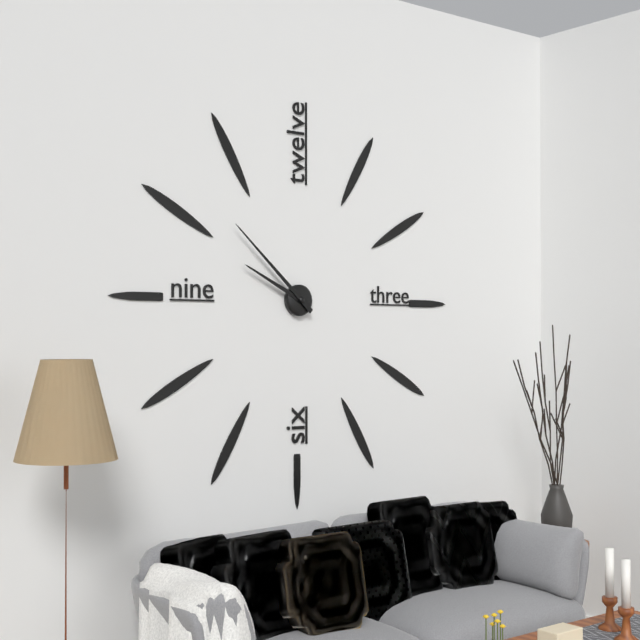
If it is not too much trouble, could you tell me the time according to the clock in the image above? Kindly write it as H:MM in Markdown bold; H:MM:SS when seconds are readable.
**9:52**
